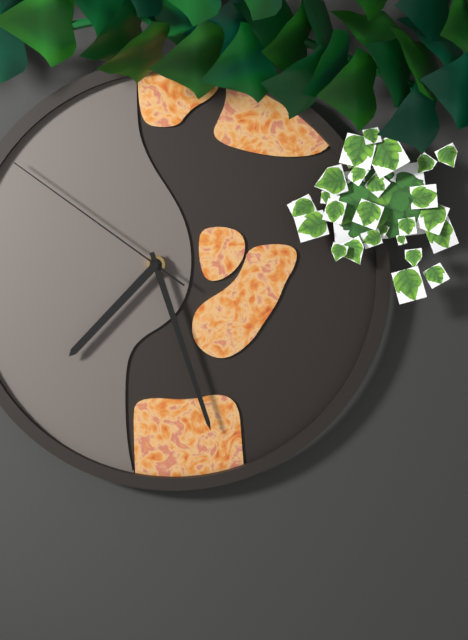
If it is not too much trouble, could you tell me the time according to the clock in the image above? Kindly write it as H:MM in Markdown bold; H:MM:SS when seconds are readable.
**7:27:51**
